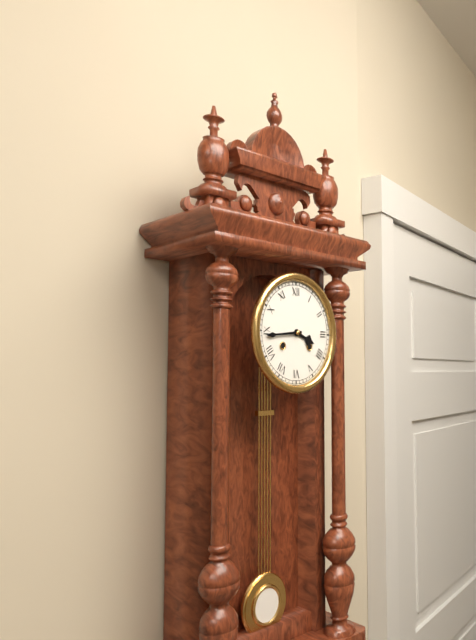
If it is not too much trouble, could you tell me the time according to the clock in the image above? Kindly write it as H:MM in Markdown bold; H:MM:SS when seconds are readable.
**3:44**
